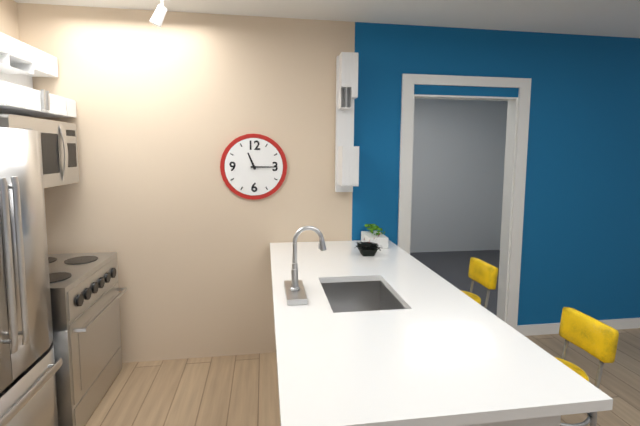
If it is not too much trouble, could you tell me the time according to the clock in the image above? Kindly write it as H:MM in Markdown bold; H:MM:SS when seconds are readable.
**11:15**
